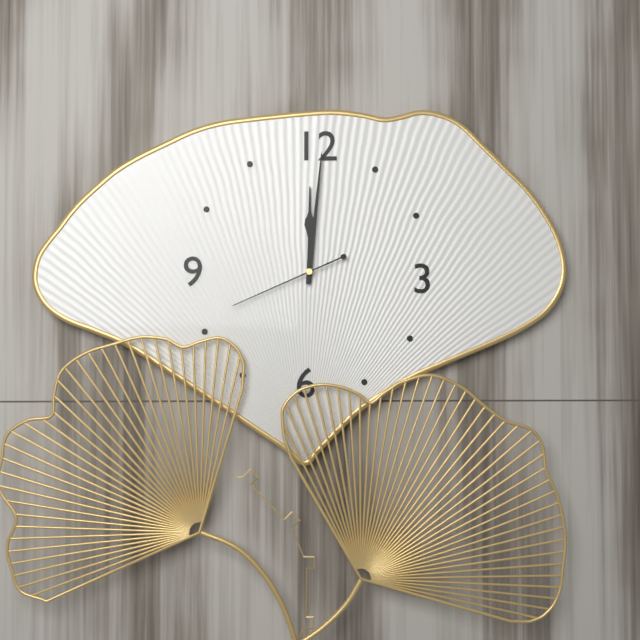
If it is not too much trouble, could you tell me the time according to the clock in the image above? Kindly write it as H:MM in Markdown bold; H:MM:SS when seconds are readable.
**12:01:41**
